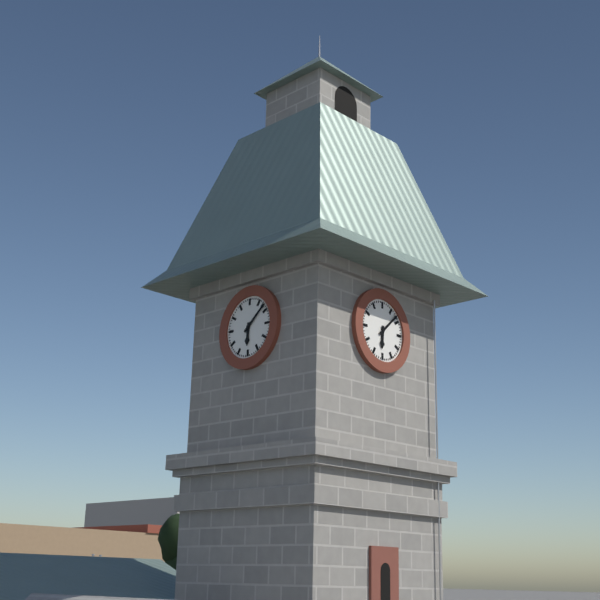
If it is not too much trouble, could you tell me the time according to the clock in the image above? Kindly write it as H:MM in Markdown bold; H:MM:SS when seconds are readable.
**6:08**
